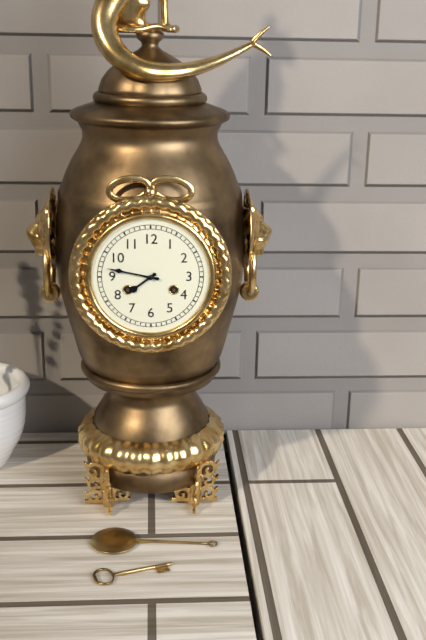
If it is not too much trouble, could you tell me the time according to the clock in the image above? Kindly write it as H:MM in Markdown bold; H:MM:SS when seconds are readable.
**7:47**
